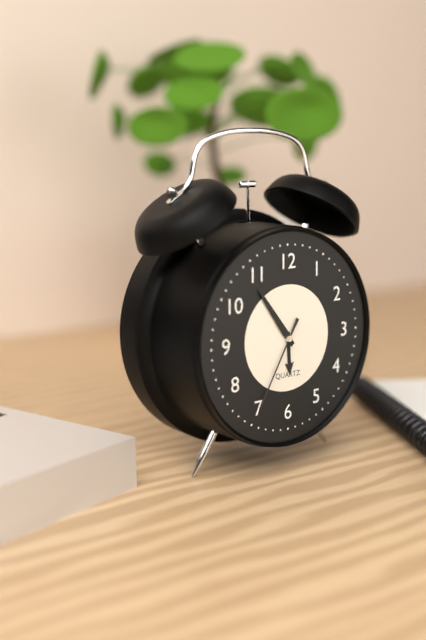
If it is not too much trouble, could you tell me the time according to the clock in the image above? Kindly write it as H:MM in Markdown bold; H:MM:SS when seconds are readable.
**5:54:35**
